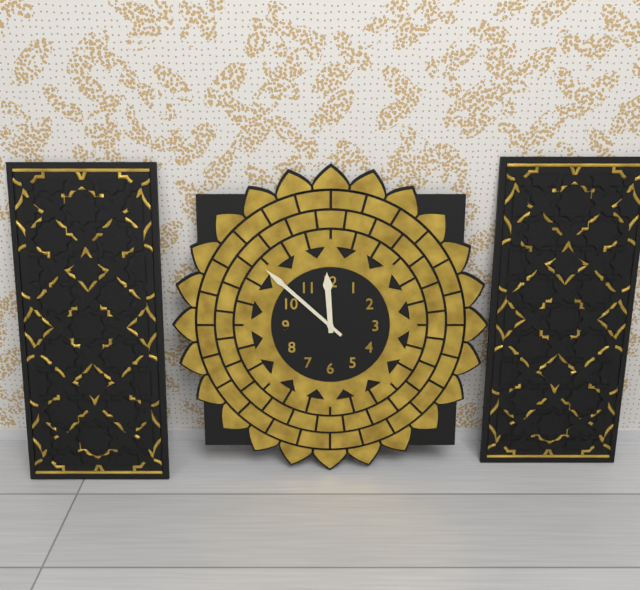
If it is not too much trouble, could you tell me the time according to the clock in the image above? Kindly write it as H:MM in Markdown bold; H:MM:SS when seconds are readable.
**11:52**
